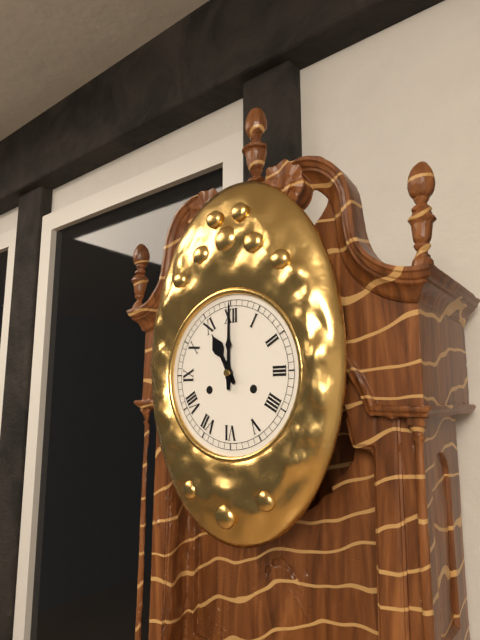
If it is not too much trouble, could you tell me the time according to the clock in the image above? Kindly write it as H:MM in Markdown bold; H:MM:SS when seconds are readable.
**11:00**
